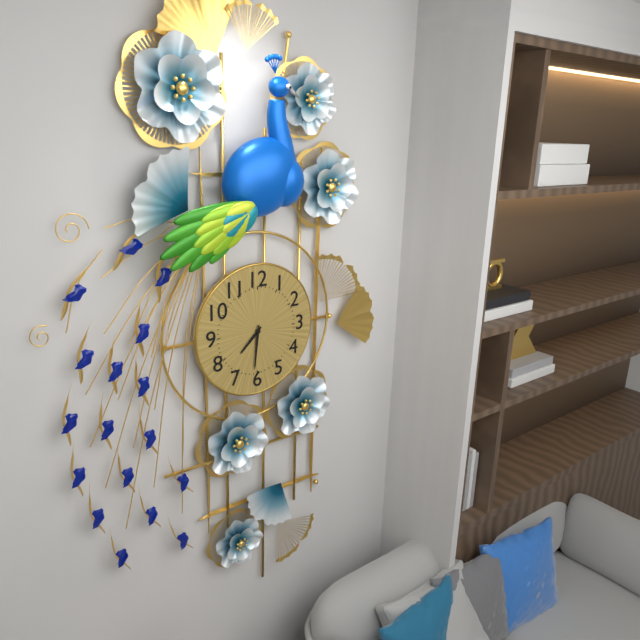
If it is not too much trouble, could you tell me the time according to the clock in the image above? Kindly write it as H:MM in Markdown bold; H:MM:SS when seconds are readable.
**7:31**
